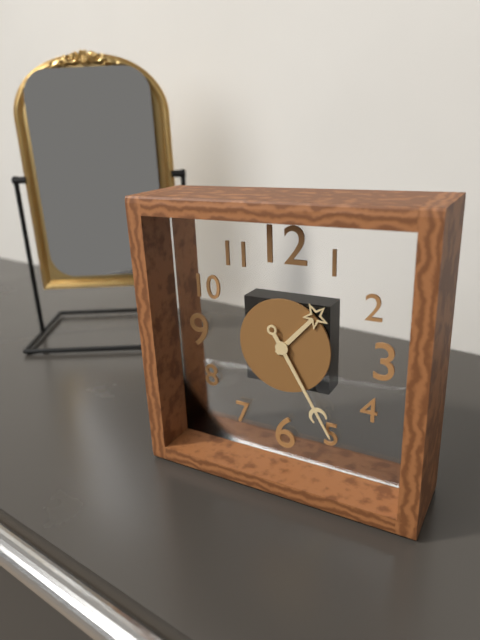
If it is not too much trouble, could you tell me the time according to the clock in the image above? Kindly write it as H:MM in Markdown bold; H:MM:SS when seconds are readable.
**1:25**
